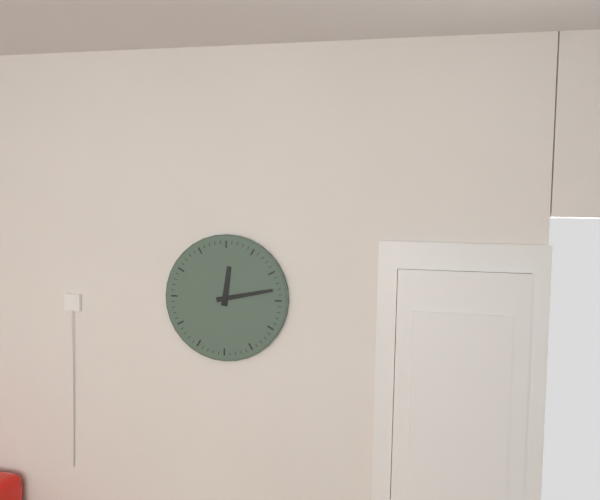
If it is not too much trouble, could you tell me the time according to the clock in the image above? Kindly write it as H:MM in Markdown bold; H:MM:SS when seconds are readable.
**12:13**
